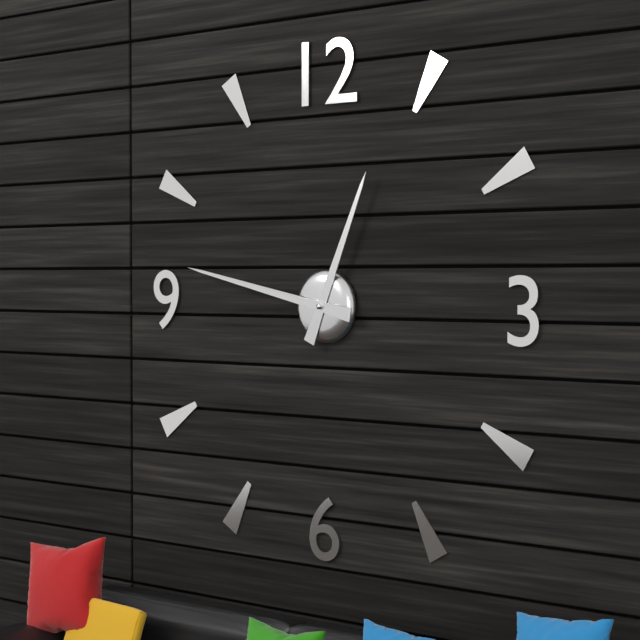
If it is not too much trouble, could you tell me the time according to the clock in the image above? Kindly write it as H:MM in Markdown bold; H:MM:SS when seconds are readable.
**12:47**
